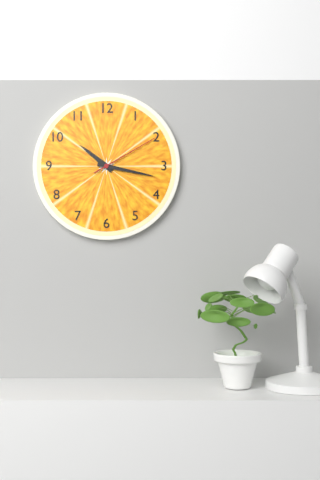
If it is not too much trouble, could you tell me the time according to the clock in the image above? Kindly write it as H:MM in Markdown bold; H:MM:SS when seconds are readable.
**10:17:10**
